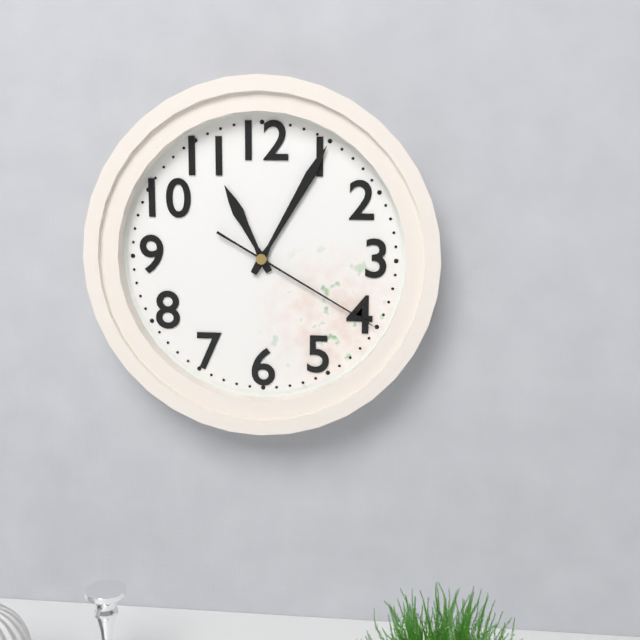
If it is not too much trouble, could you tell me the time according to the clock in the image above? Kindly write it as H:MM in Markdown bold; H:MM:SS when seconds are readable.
**11:05:20**
